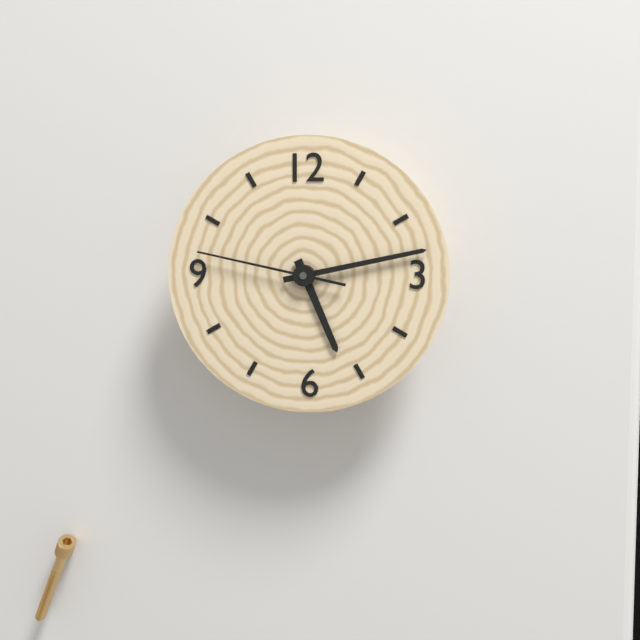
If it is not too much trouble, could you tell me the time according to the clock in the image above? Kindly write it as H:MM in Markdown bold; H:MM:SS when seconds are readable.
**5:13:47**
